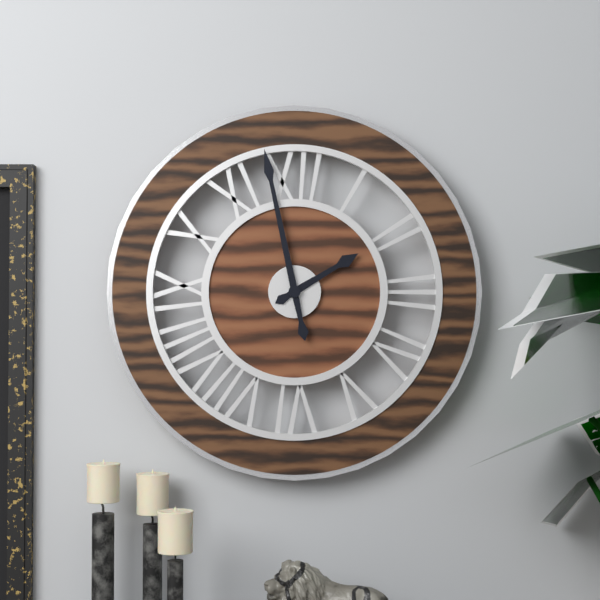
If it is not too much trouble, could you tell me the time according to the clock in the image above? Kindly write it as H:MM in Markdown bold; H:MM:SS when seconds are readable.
**1:58**
